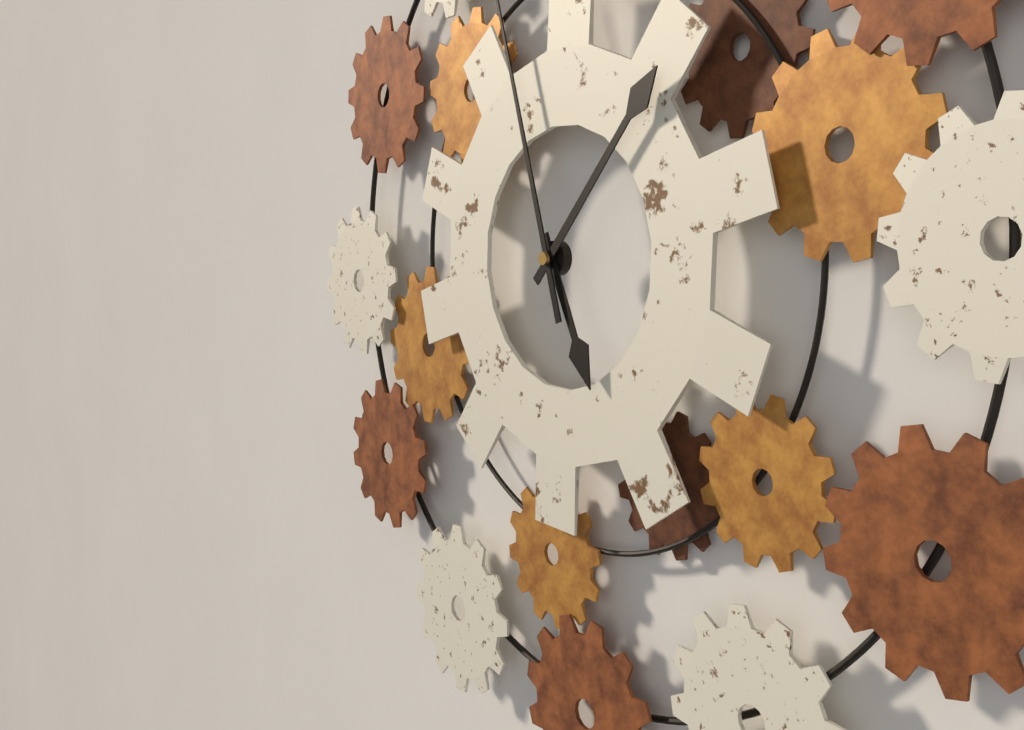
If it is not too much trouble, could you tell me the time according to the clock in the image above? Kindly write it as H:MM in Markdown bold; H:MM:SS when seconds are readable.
**5:07**
